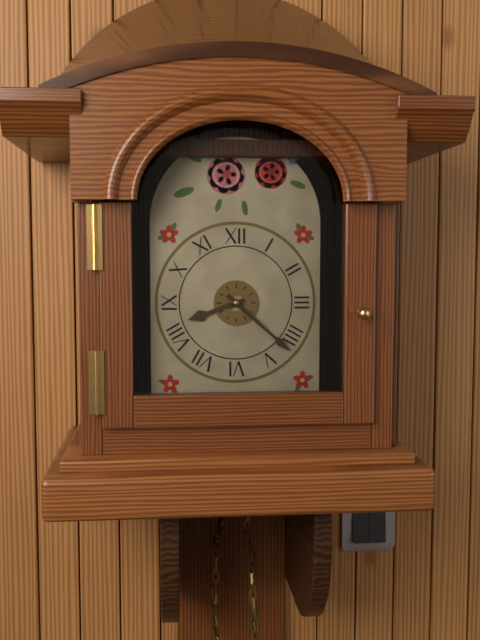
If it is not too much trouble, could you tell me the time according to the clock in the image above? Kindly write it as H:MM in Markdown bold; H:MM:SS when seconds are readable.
**8:22**
